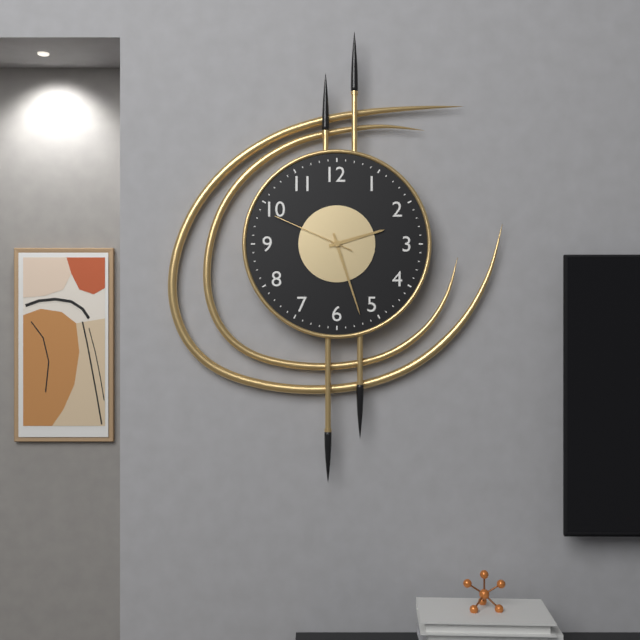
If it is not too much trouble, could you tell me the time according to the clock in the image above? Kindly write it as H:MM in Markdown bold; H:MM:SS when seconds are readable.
**2:27:49**
